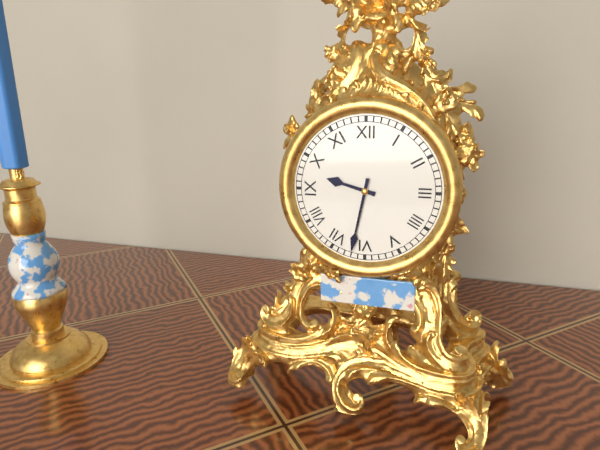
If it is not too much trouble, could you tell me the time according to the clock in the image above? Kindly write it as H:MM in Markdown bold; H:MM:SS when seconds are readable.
**9:32**
